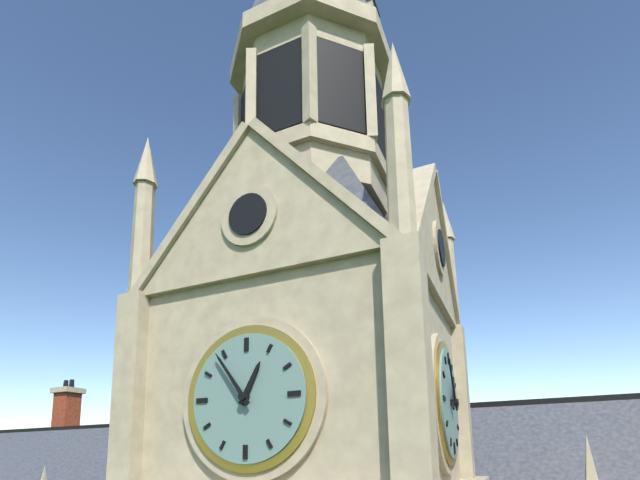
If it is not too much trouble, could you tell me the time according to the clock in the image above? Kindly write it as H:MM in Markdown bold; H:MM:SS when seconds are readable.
**12:54**
